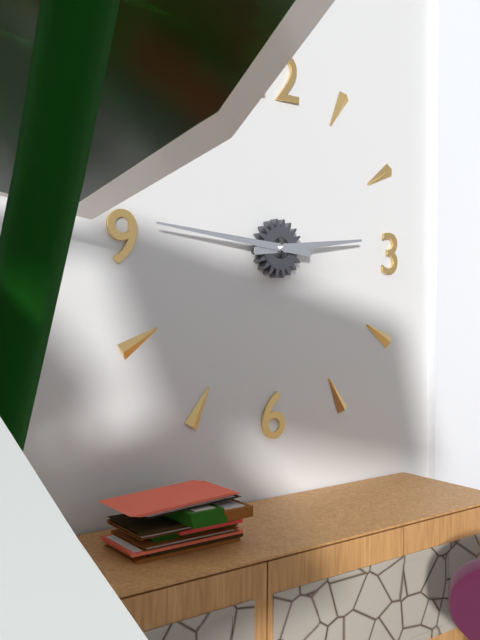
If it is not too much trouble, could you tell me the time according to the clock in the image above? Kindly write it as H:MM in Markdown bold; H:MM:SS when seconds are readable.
**2:46**
